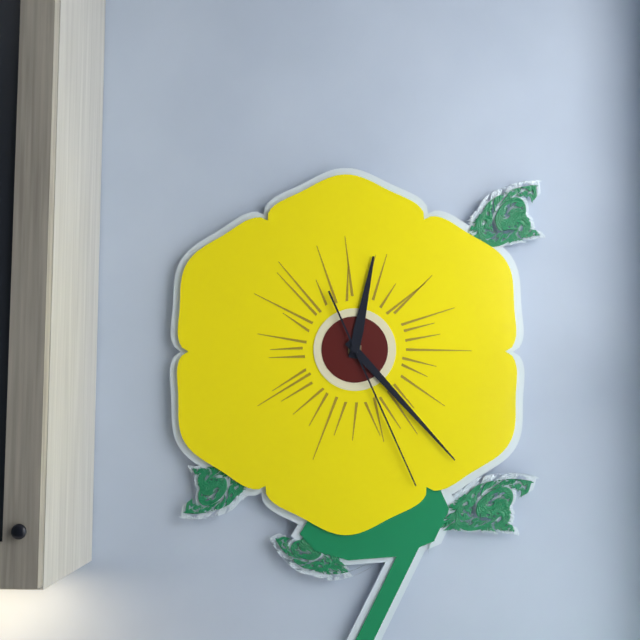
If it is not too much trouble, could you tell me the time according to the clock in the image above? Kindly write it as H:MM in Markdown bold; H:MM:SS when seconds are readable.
**12:23:26**
